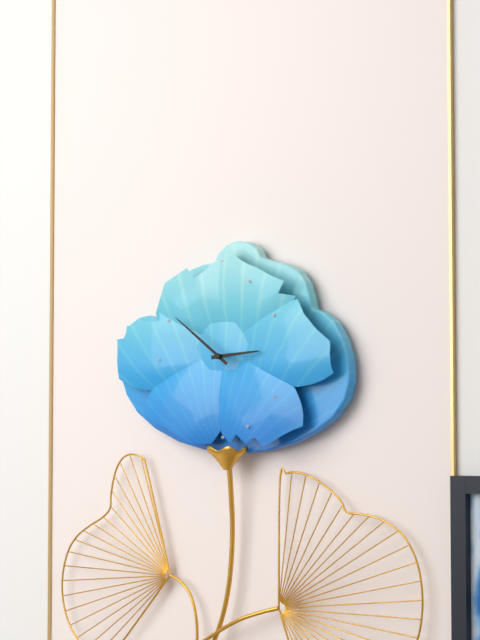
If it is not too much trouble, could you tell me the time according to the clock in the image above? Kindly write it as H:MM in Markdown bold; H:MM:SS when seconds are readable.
**2:51**
